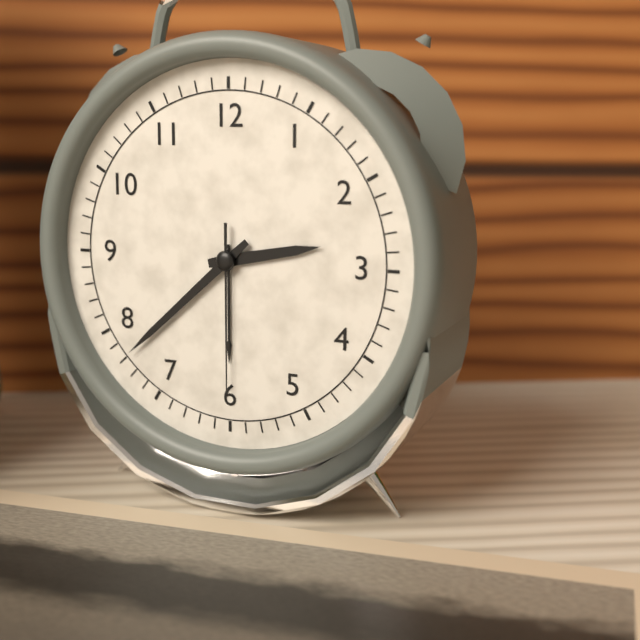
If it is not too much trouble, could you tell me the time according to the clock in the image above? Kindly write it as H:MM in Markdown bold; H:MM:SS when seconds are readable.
**2:38:30**
